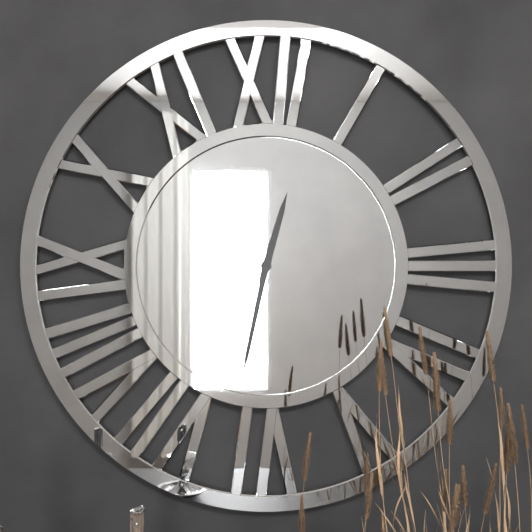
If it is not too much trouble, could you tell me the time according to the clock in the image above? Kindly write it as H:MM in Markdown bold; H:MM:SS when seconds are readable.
**12:32**
